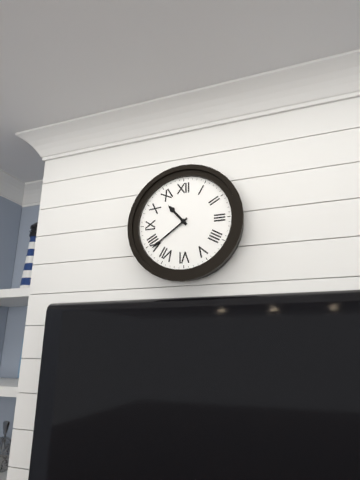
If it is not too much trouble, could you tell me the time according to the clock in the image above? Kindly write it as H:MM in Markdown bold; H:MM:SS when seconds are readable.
**10:39**
